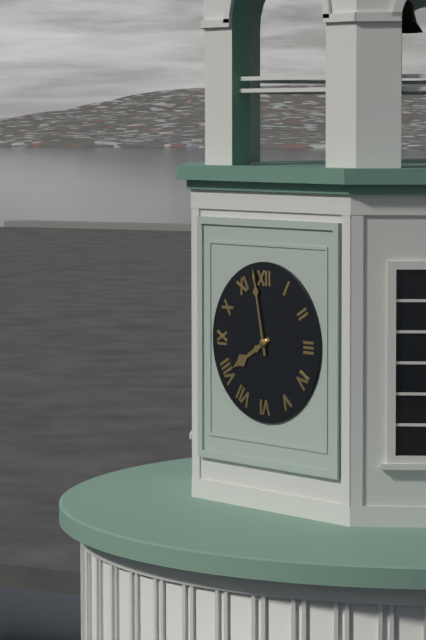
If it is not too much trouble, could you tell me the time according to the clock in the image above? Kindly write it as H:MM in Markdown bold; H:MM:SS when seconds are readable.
**7:58**
